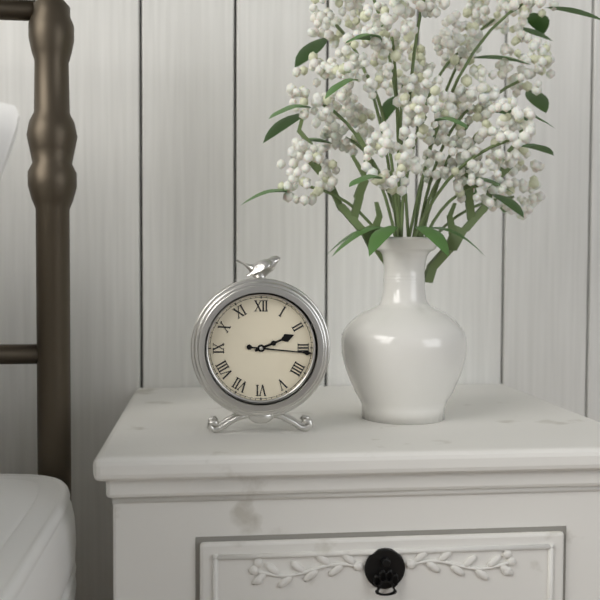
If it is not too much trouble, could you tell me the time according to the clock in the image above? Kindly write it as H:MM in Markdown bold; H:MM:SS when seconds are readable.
**2:16**
